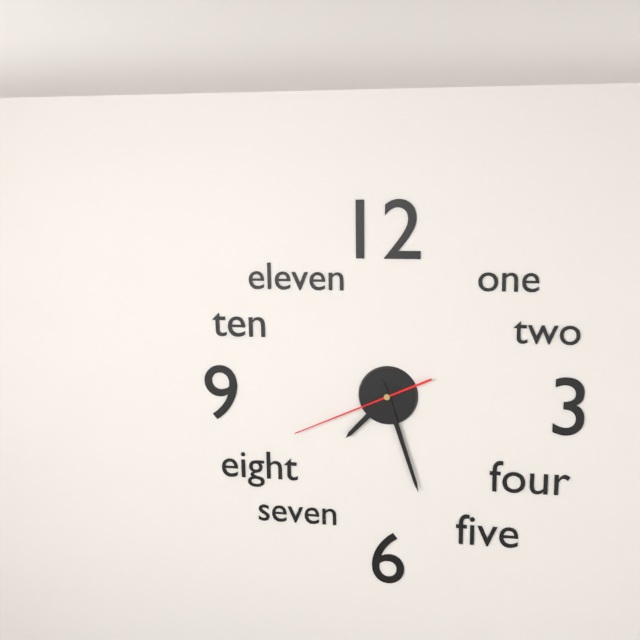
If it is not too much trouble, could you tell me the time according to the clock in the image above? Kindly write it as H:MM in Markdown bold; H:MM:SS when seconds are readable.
**7:27:41**
